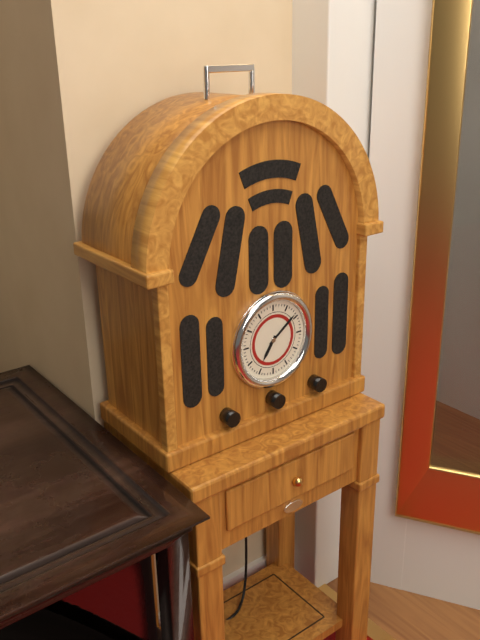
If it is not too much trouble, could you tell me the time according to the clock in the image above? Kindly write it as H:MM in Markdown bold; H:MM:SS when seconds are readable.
**7:09**
